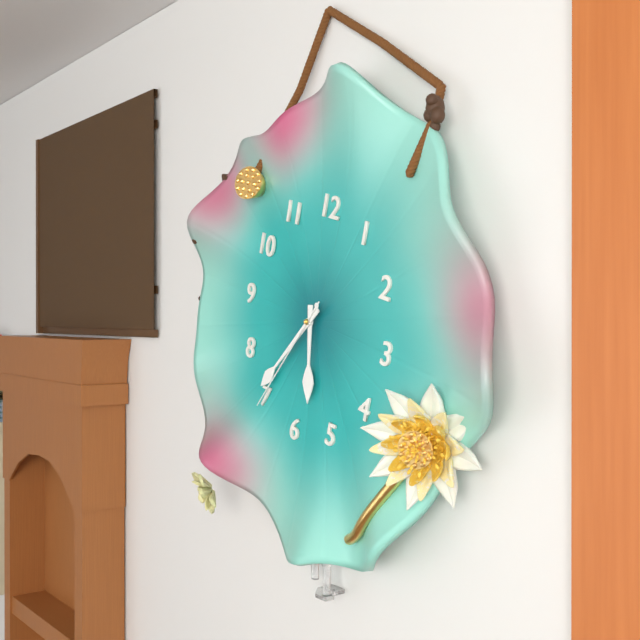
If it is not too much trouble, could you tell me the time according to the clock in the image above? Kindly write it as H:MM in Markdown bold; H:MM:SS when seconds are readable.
**5:36:35**
